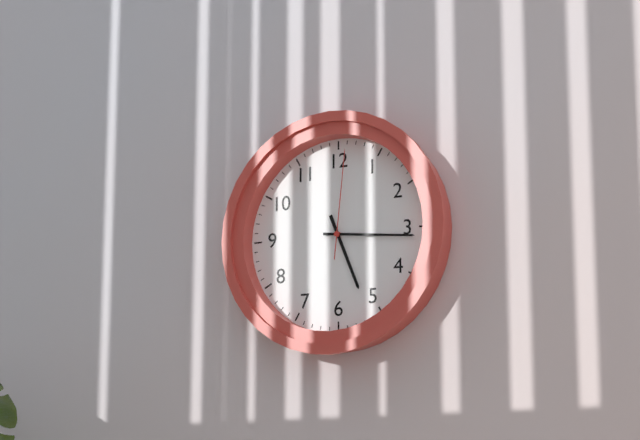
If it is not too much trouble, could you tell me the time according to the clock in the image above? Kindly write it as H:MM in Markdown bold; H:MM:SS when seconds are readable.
**5:16:01**
